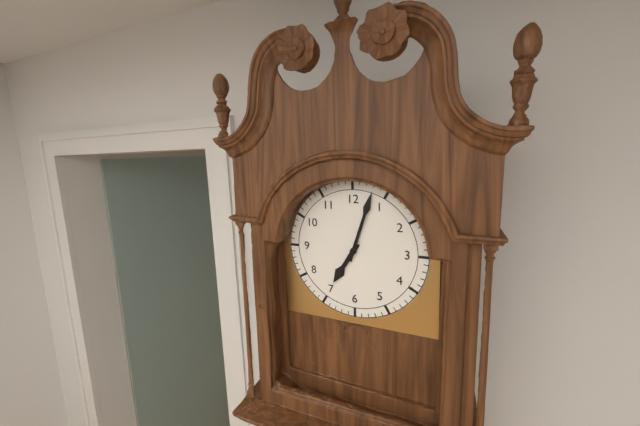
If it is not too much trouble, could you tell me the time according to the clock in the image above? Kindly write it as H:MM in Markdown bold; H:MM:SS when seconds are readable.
**7:03**
